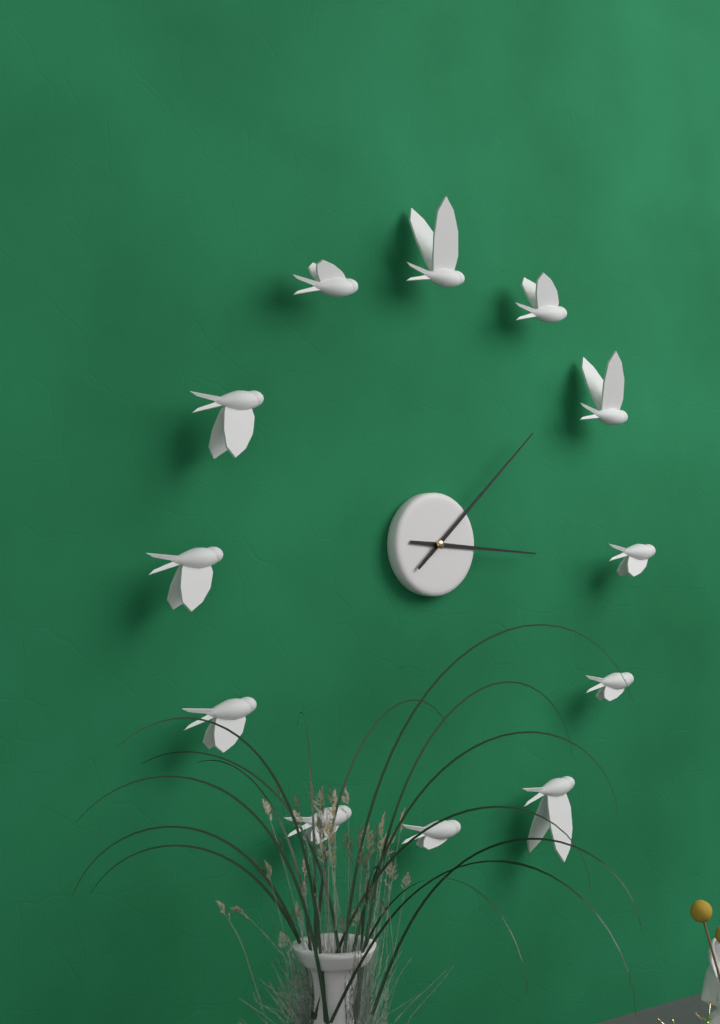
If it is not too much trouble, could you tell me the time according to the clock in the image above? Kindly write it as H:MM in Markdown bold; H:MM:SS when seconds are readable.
**3:08**
